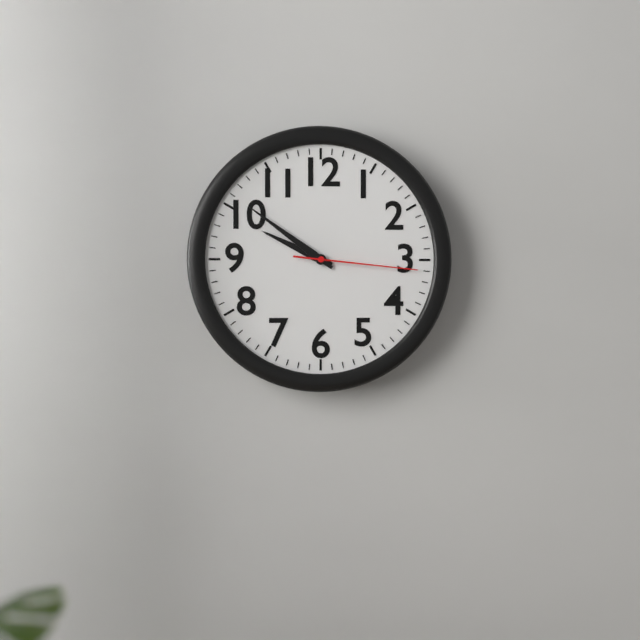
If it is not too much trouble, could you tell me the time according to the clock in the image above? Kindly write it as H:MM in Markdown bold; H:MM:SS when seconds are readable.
**9:51:16**
